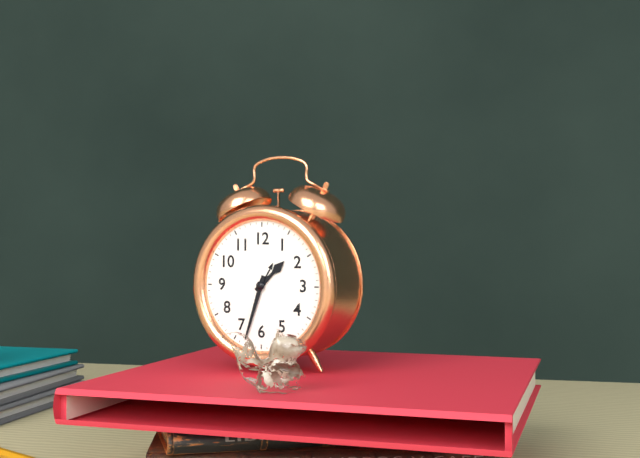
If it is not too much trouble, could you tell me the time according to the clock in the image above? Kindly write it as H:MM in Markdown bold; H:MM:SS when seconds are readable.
**1:33**
